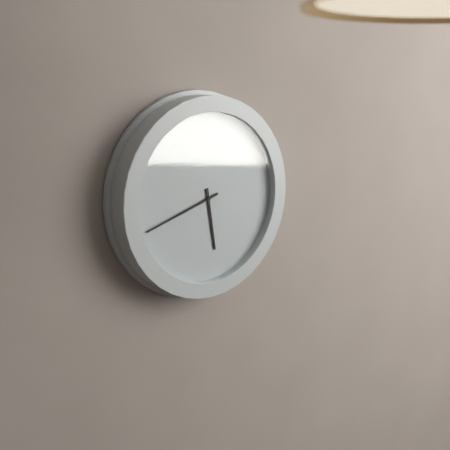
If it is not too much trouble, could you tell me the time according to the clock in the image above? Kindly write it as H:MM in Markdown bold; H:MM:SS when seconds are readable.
**5:42**
